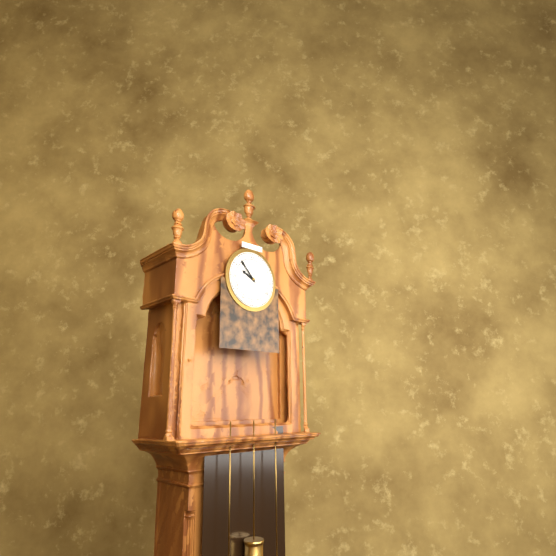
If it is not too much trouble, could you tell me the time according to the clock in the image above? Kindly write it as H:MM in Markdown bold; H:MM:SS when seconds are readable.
**9:53**
